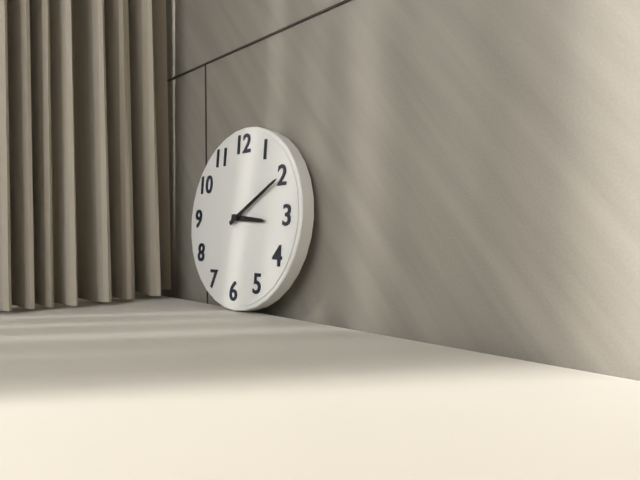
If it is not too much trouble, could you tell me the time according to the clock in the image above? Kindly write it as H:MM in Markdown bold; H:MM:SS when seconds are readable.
**3:10**
